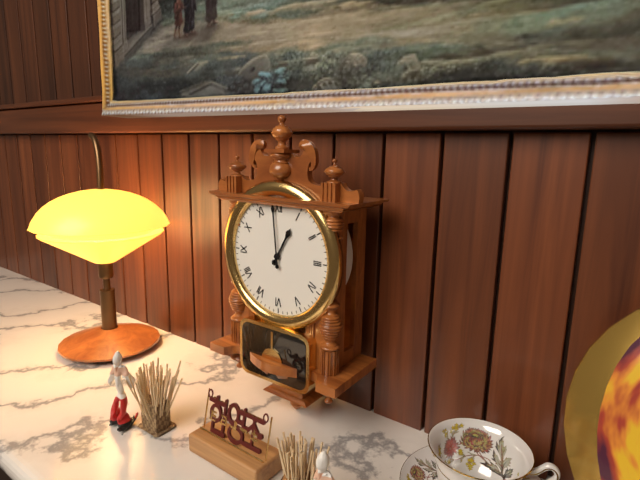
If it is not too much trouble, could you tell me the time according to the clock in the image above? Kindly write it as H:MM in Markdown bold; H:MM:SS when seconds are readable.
**12:59**
